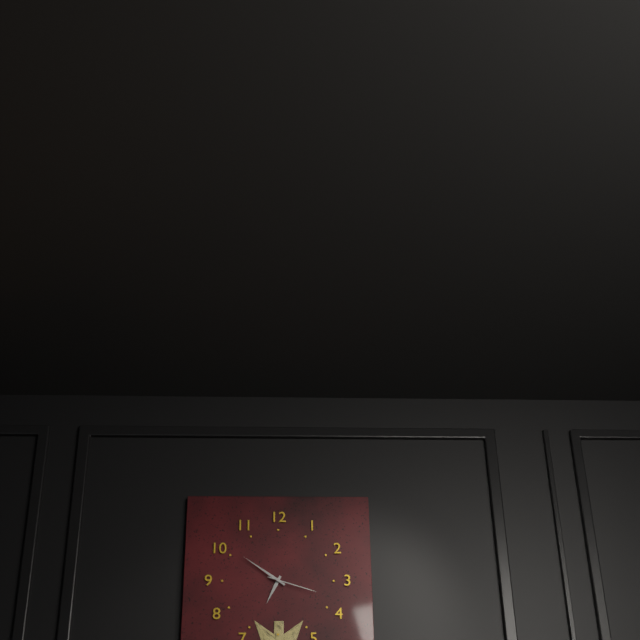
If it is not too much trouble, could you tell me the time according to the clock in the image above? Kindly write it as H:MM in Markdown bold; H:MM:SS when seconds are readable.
**6:51:18**
